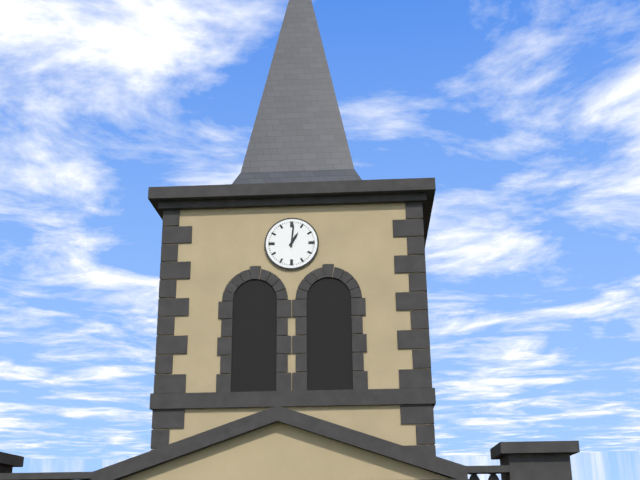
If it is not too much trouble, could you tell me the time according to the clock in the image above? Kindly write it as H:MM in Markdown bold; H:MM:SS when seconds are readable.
**1:01**
